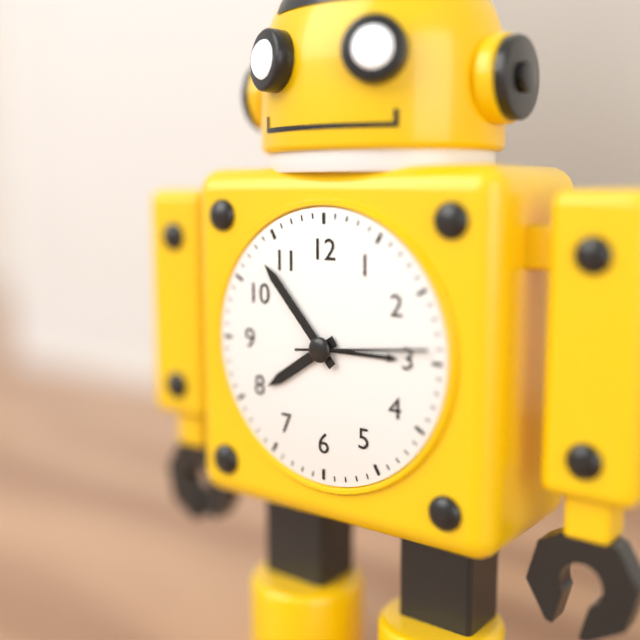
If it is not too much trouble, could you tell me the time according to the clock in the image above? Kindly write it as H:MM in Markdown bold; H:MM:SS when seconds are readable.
**7:53:14**
